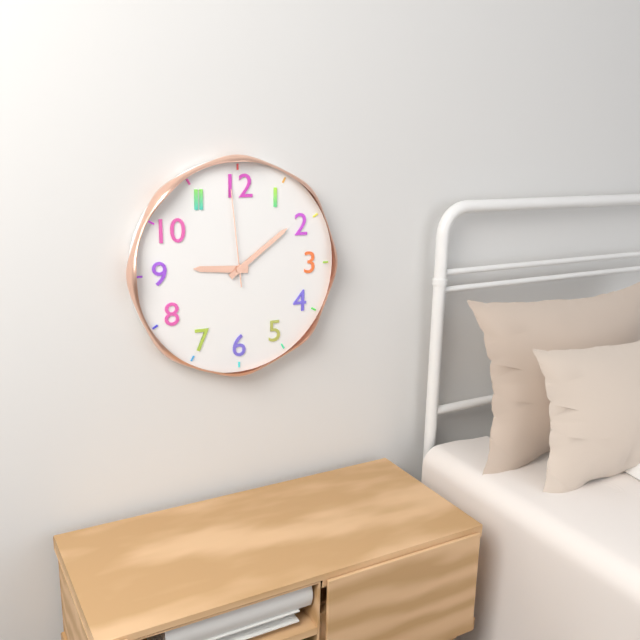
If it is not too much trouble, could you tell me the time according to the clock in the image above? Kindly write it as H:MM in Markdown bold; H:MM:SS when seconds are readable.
**9:09:59**
